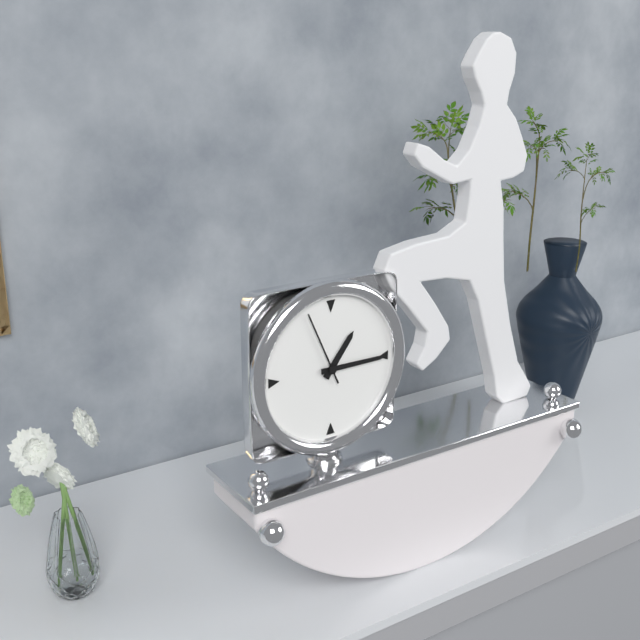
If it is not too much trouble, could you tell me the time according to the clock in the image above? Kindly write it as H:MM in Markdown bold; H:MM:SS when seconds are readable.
**1:15:56**
